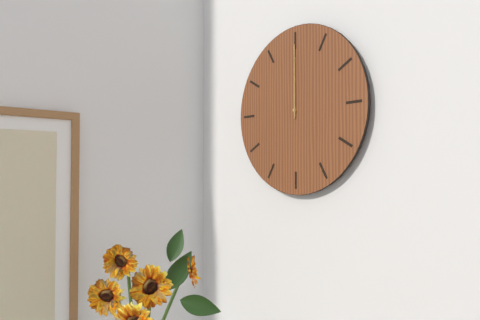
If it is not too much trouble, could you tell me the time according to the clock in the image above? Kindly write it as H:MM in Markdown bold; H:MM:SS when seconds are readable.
**12:00**
